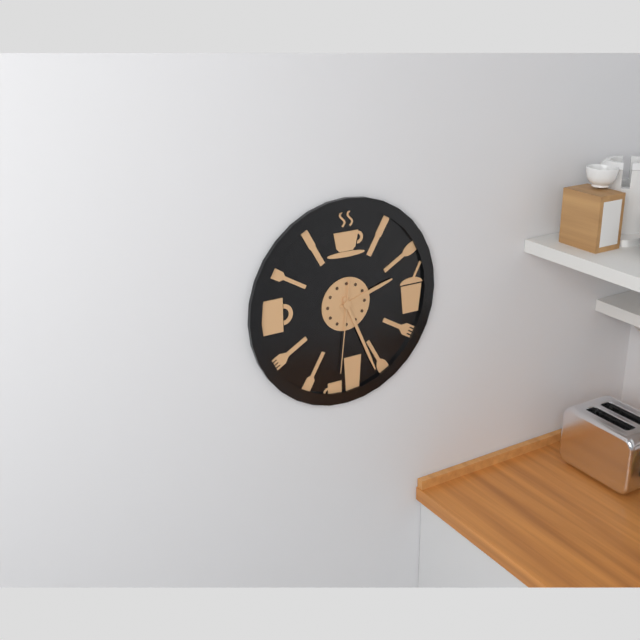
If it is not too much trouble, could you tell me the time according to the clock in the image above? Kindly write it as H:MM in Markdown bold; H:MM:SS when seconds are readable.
**2:26:31**
